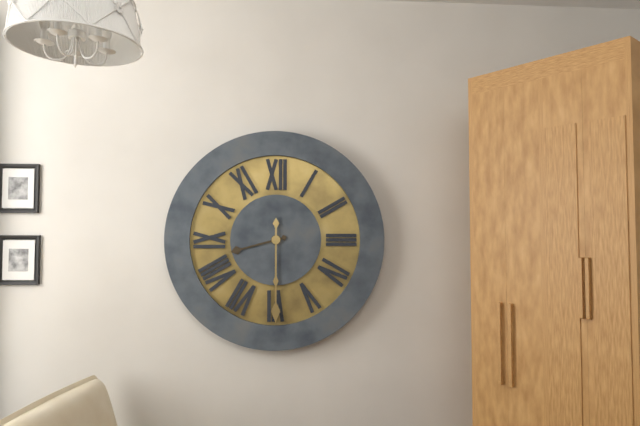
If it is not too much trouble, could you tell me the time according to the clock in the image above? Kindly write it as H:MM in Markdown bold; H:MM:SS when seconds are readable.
**8:30**
